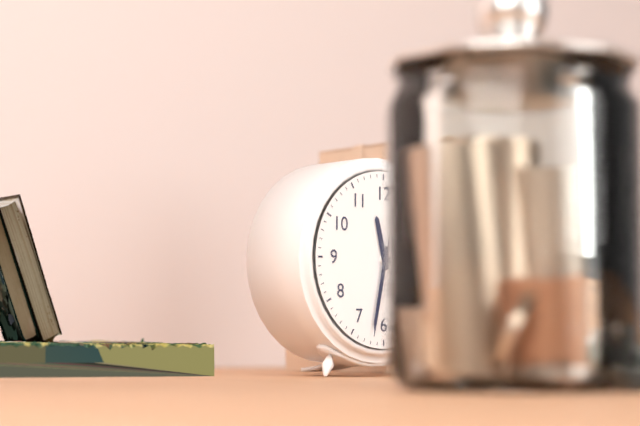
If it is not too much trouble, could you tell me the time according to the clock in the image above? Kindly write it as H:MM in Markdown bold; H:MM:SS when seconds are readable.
**11:32:32**
